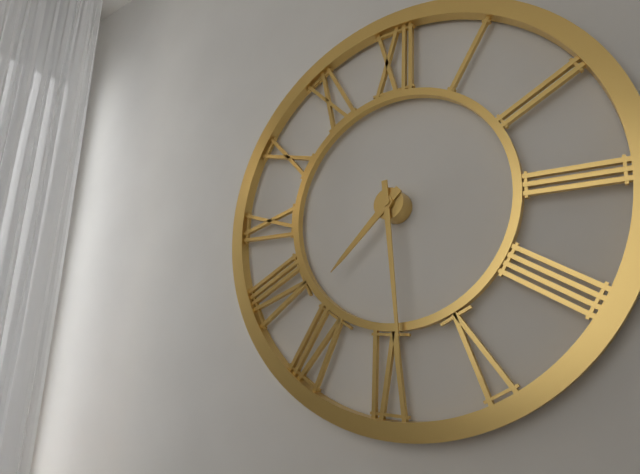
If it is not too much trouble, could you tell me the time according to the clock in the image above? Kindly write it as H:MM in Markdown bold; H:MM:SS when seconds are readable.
**7:29**
